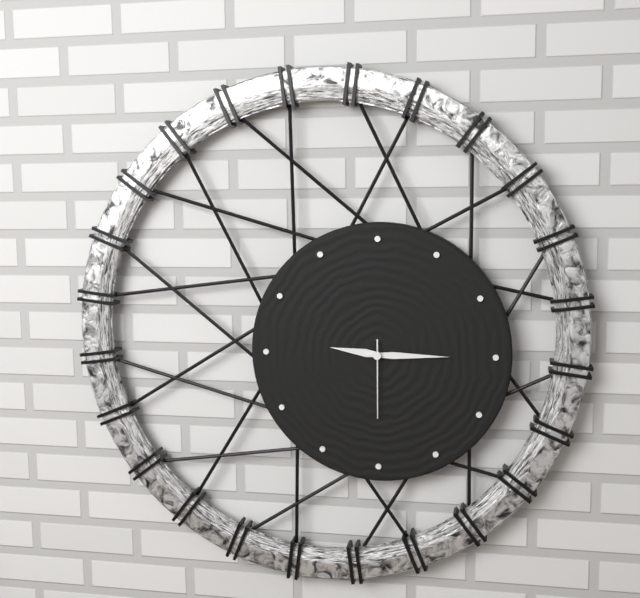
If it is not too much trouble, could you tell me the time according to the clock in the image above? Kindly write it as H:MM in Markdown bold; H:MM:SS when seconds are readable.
**9:15:30**
